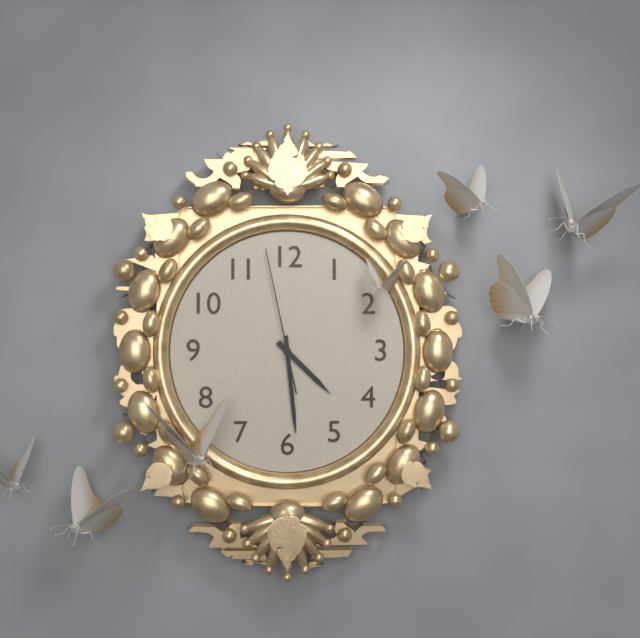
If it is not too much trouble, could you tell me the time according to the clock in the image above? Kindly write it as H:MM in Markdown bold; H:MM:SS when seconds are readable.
**4:29:58**
